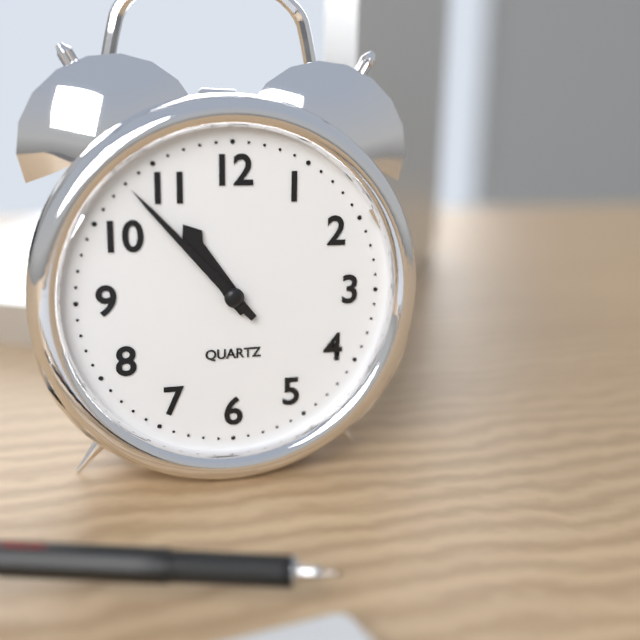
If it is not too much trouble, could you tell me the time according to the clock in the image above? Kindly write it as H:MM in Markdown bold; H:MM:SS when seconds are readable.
**10:53**
